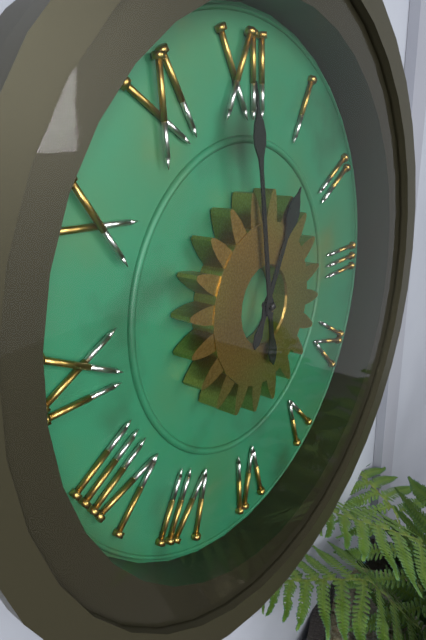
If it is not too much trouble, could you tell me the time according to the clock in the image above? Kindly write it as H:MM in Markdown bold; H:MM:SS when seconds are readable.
**12:59**
